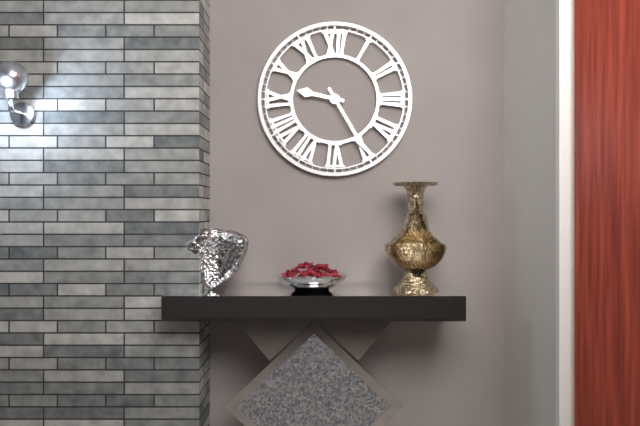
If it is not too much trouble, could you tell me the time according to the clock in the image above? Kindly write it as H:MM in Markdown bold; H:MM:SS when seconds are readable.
**9:25**
